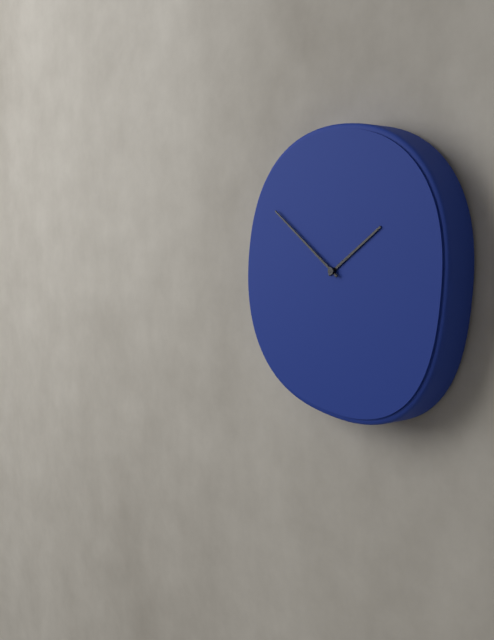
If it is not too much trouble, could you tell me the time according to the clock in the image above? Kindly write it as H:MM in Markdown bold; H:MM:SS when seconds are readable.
**1:51**
